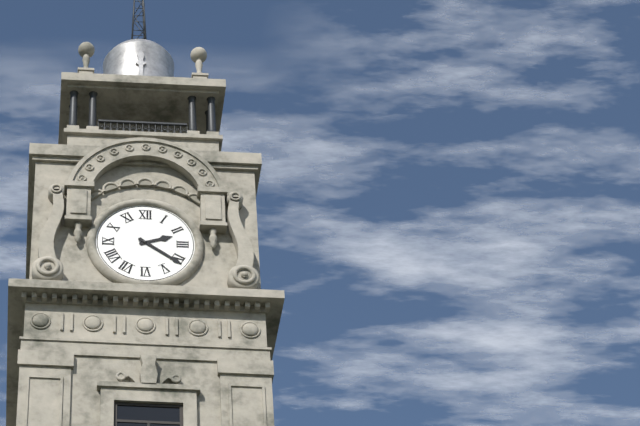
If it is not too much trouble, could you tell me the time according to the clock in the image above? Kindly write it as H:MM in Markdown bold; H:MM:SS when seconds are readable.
**2:21**
